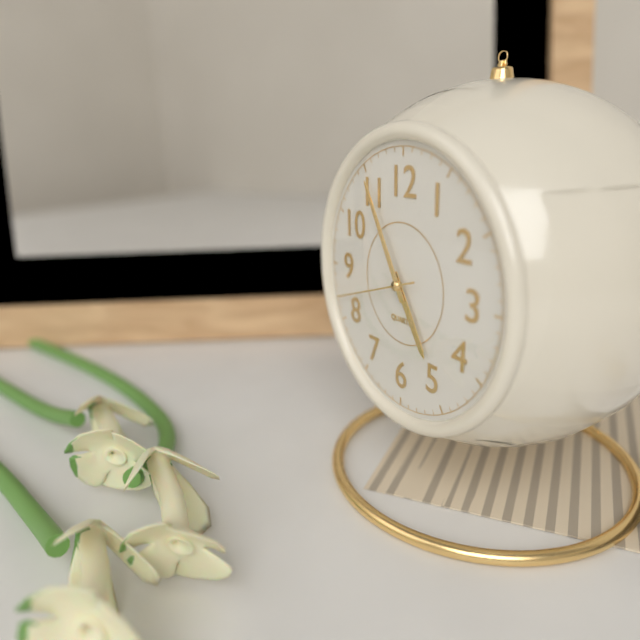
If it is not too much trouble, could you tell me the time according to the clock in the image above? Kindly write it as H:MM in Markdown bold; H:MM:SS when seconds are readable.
**4:55:42**
